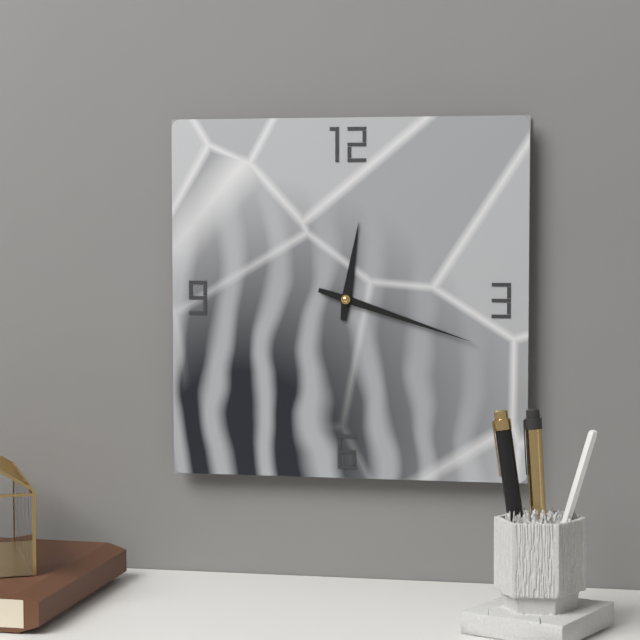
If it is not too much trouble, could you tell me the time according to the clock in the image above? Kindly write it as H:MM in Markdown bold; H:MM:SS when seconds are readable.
**12:18**
